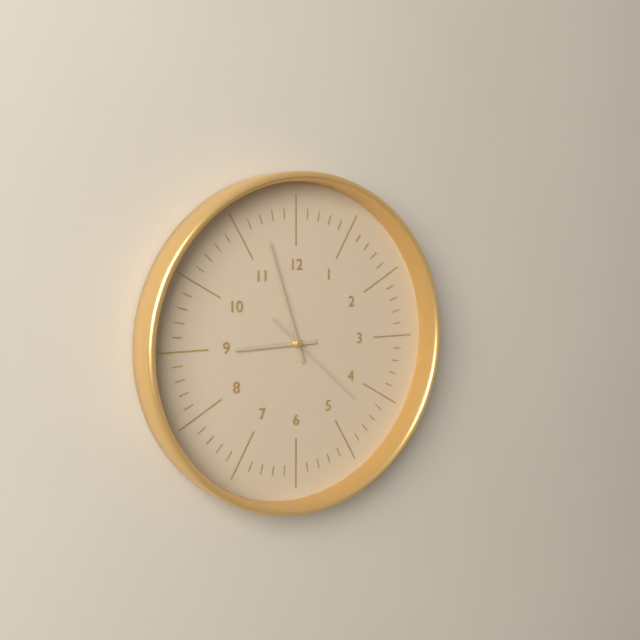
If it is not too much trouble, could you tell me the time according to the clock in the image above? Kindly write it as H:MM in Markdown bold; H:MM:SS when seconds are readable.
**8:57:22**
